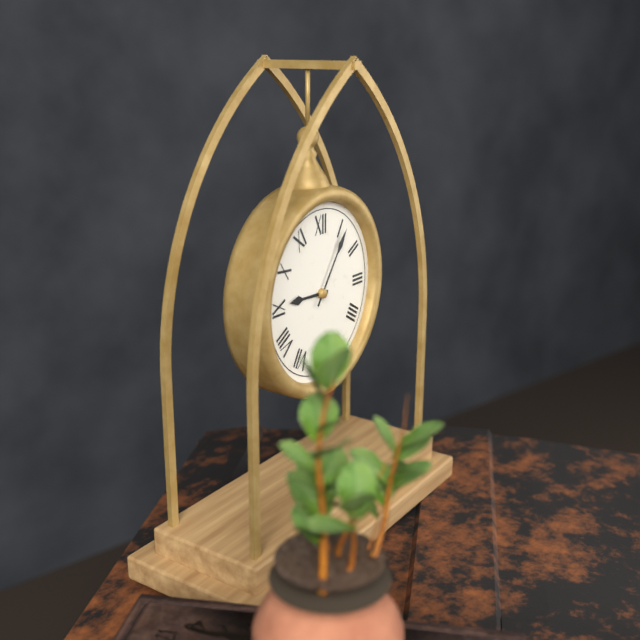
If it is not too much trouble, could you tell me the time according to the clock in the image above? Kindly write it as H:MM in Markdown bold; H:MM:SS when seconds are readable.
**9:06**
